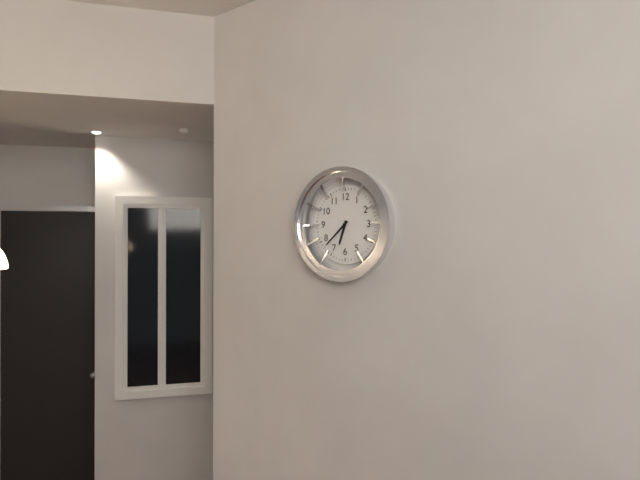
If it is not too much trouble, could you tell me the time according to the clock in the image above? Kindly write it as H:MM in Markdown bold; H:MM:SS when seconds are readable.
**6:38**
